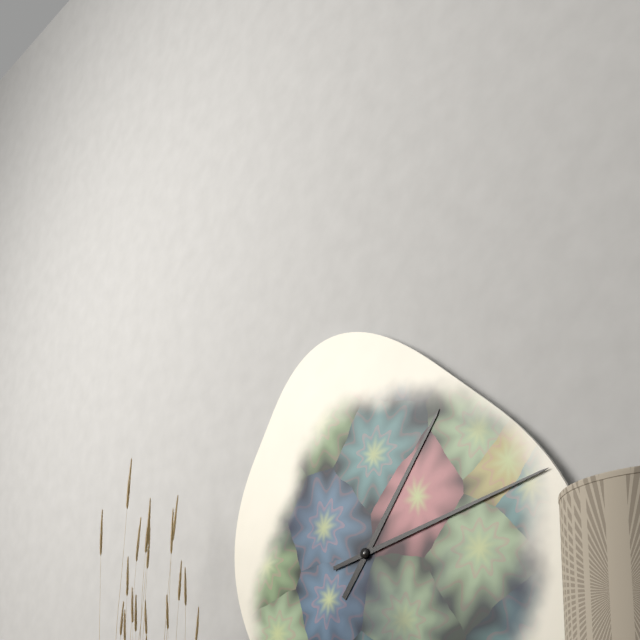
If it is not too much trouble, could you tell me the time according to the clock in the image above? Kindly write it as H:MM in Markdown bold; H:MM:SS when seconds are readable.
**1:13**
